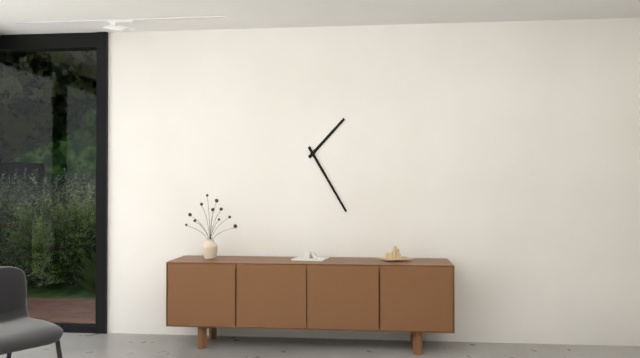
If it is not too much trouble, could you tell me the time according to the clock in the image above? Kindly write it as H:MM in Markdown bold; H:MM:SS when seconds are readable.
**1:25**
